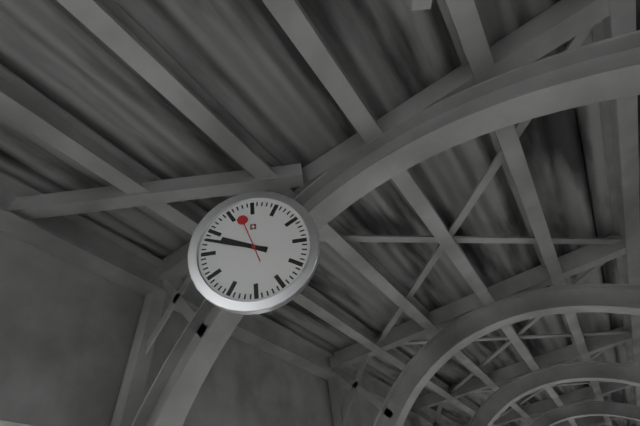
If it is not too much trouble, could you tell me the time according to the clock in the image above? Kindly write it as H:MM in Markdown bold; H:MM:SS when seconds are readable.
**9:48**
